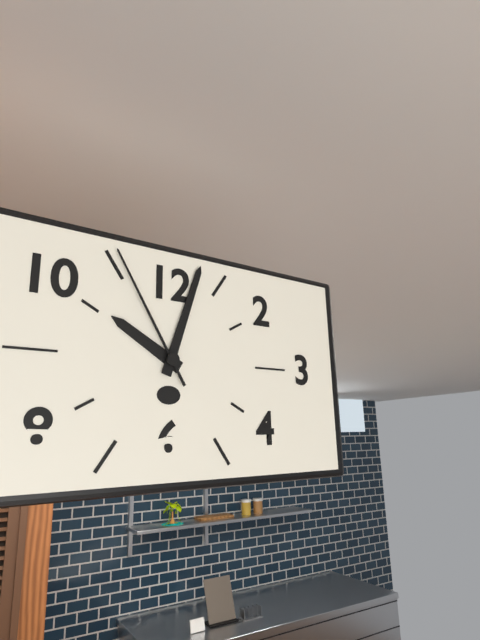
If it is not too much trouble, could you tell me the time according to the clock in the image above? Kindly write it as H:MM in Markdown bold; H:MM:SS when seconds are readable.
**10:03:55**
